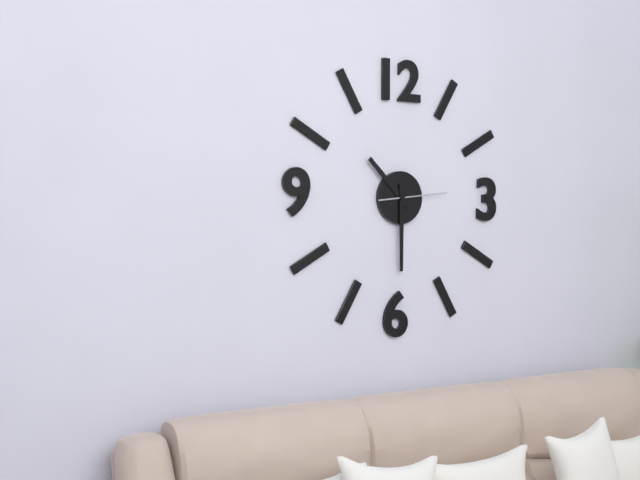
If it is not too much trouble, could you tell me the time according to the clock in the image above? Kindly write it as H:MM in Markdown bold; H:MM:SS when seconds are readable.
**10:30:14**
